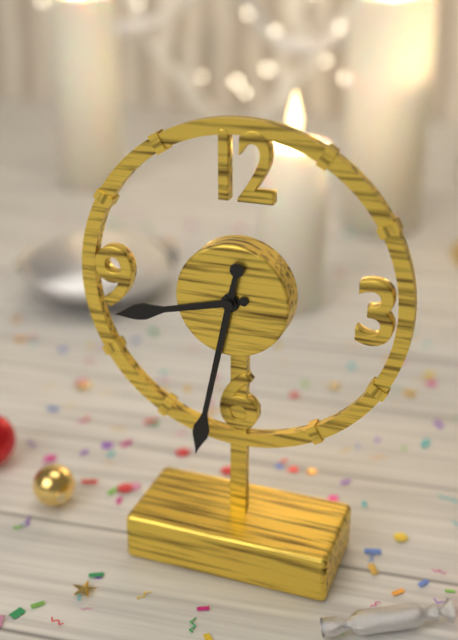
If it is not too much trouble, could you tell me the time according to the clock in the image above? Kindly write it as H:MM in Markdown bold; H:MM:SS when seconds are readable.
**8:32**
